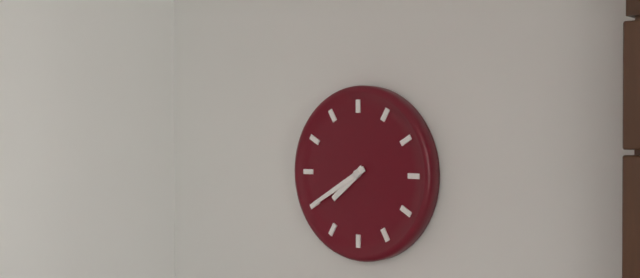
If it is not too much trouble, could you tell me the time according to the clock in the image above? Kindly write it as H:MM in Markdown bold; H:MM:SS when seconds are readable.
**7:40**
